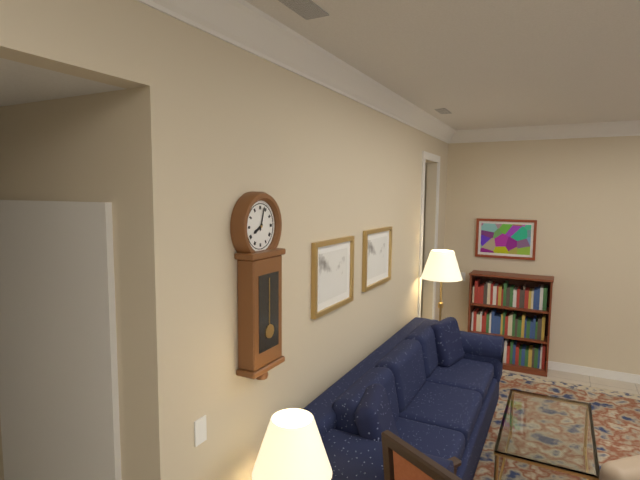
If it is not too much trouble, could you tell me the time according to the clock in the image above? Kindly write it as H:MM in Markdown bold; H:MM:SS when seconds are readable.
**8:03**
